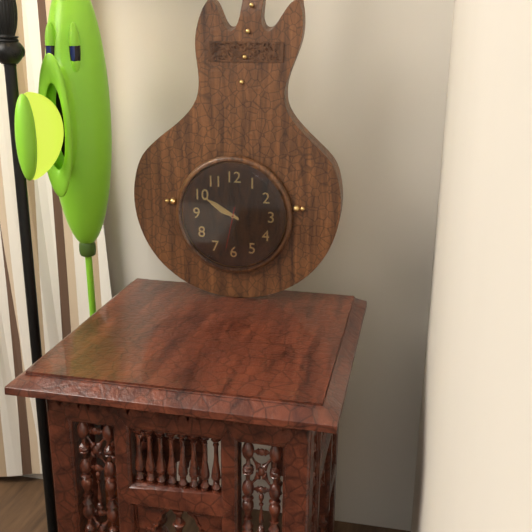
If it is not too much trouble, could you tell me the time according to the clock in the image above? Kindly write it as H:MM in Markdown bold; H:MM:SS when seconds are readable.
**9:50**
